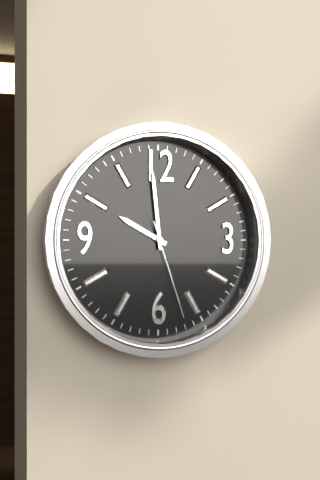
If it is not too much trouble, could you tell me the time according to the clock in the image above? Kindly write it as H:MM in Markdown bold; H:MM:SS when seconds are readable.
**9:59:27**
